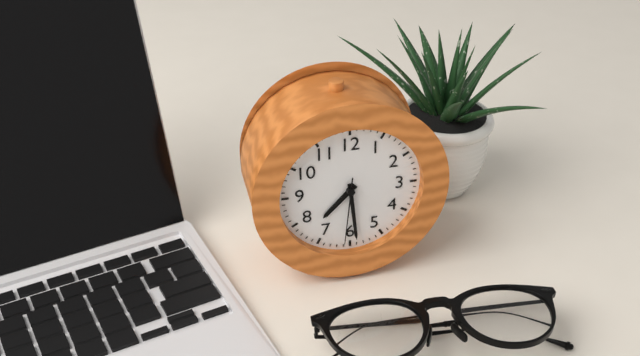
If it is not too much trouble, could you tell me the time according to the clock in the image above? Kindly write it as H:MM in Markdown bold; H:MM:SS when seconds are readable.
**7:29:31**
